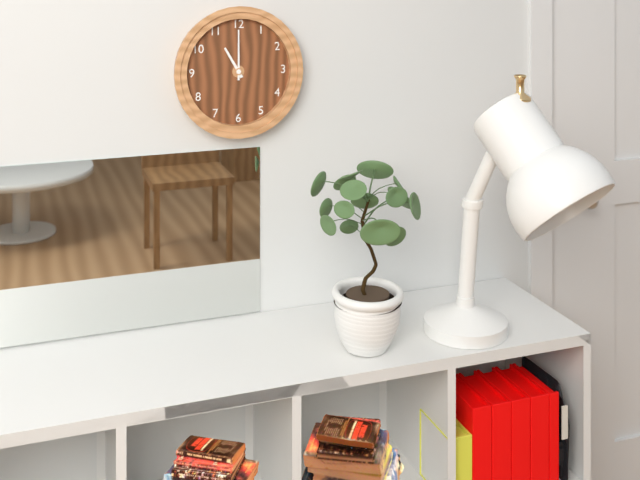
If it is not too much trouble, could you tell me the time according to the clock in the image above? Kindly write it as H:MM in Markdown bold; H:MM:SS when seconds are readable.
**11:00**
